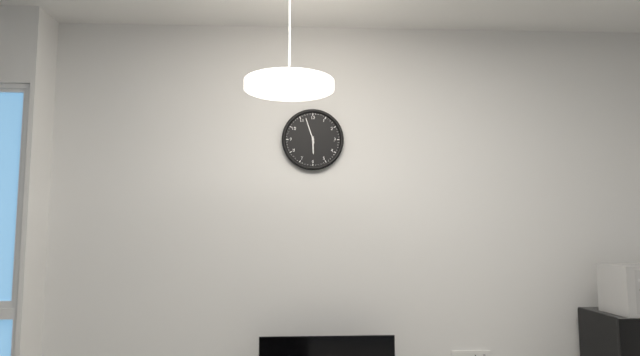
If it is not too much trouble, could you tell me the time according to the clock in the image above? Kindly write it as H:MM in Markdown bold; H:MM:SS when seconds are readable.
**5:57**
